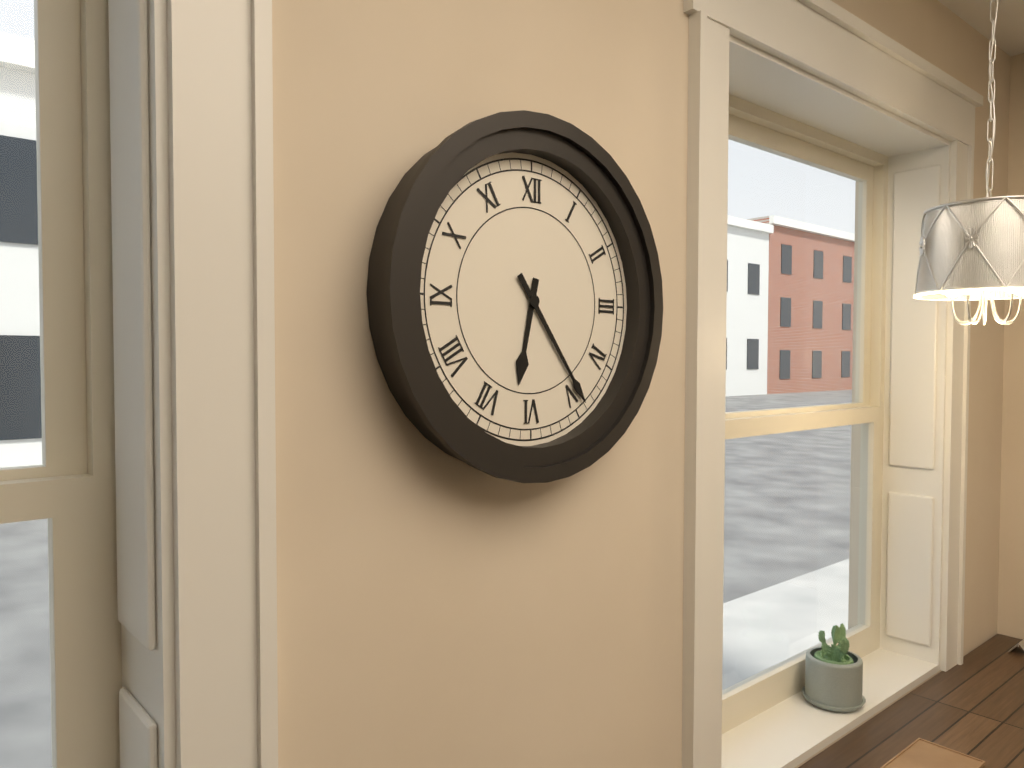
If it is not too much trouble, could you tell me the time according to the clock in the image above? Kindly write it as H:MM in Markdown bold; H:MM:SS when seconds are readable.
**6:24**
